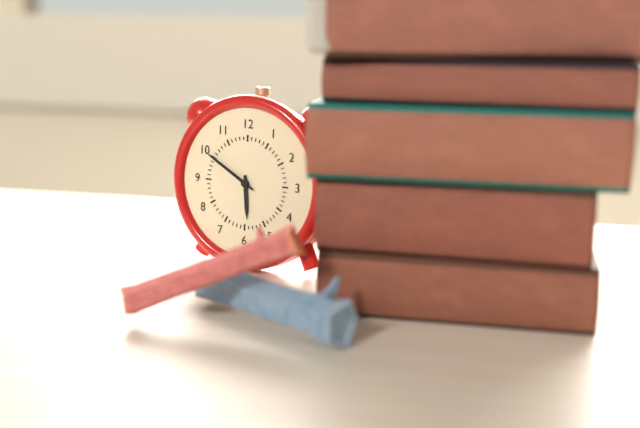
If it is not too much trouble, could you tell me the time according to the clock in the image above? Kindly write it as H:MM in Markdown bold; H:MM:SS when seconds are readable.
**5:50**
